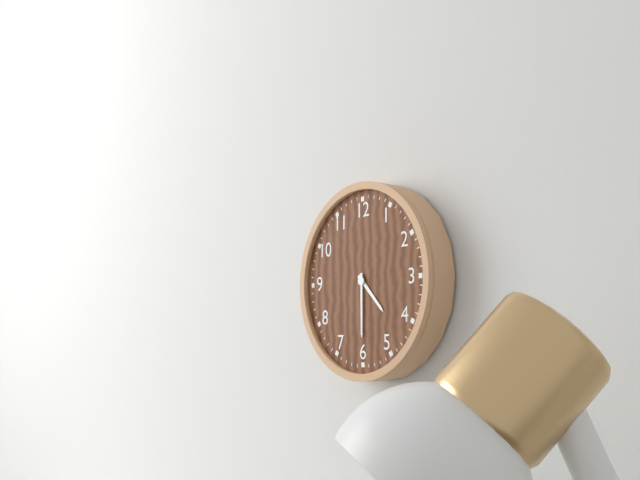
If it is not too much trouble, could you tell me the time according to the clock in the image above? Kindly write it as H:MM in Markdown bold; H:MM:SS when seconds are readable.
**4:30**
